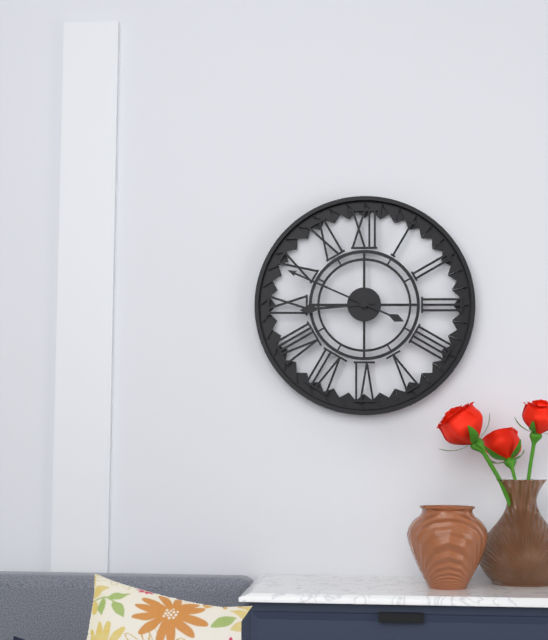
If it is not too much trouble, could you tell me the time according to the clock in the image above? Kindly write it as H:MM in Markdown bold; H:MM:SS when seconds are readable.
**8:49**
